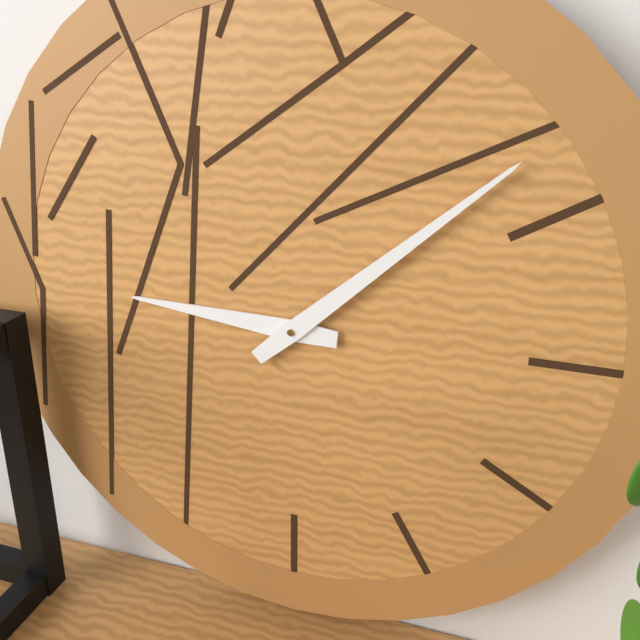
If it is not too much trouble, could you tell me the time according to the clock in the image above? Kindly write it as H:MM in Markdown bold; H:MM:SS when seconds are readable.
**9:08**
